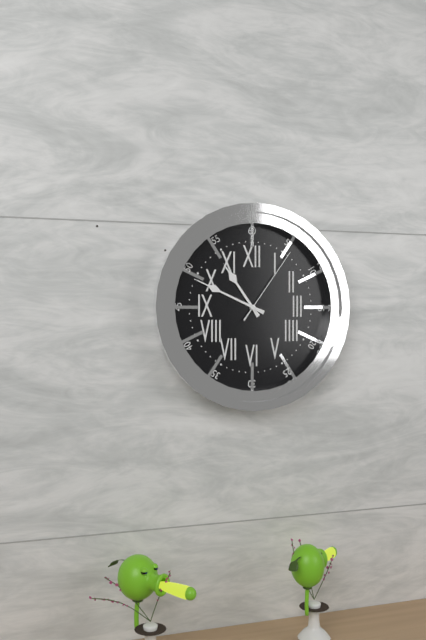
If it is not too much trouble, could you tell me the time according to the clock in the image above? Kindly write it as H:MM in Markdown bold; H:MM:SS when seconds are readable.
**10:49:06**
